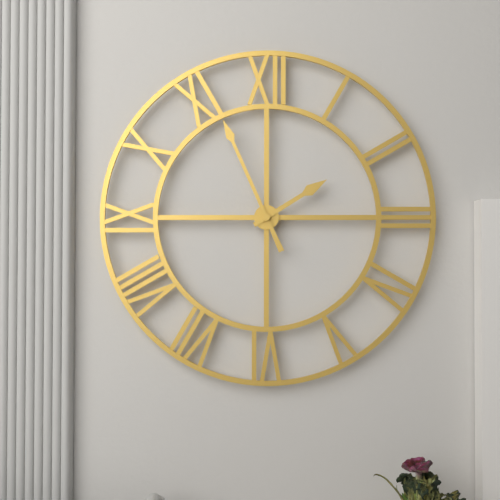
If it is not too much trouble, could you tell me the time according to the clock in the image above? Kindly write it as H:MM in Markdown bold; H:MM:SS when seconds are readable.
**1:56**
